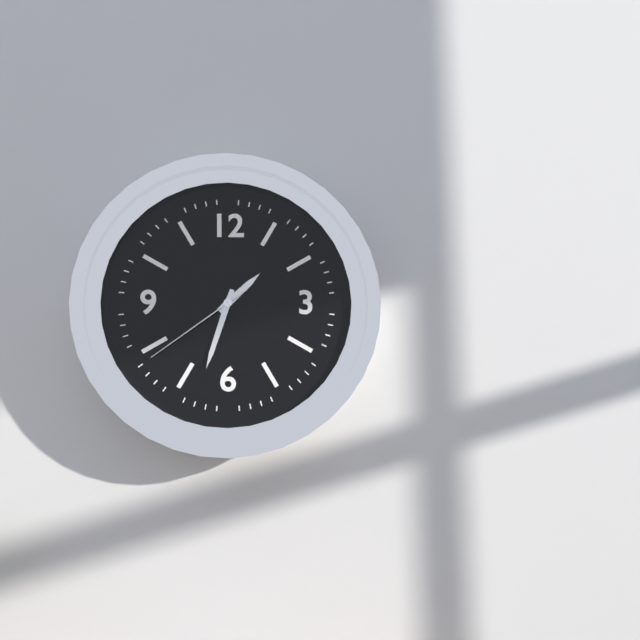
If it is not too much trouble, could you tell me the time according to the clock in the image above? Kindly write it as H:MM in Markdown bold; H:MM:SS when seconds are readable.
**1:33:39**
